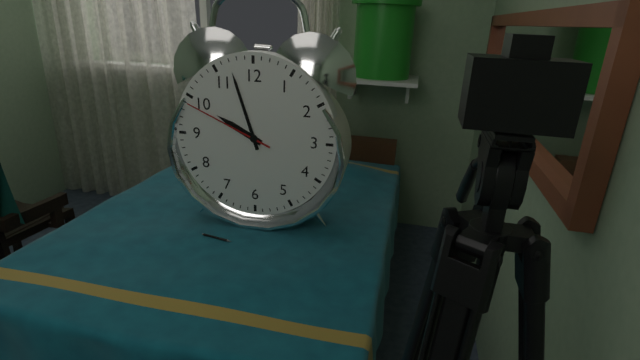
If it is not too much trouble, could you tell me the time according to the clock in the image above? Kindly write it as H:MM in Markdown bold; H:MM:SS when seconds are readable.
**9:57:49**
